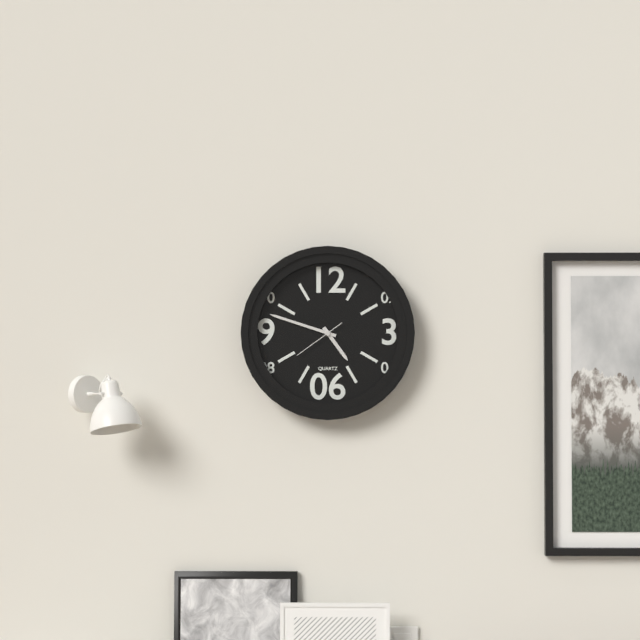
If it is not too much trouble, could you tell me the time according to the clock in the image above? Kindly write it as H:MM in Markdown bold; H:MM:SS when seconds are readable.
**4:48**
